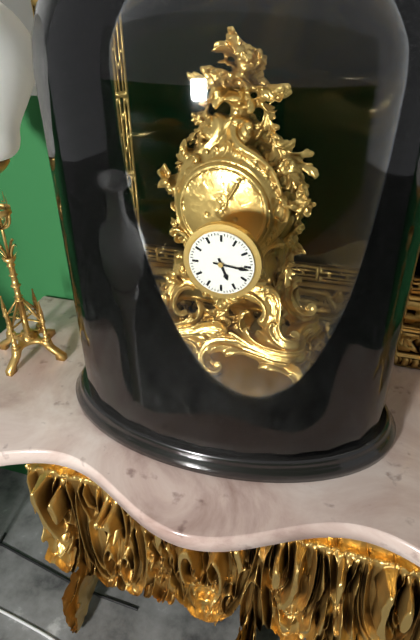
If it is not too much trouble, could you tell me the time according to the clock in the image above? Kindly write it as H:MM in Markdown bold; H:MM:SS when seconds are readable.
**5:16**
